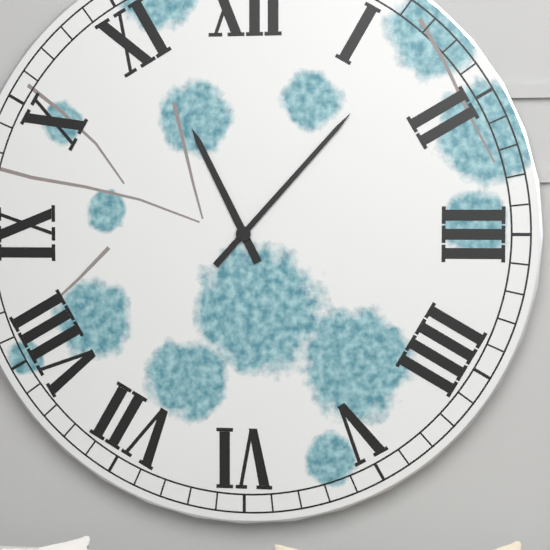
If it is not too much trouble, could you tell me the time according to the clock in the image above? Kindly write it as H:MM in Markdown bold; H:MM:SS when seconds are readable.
**11:07**
